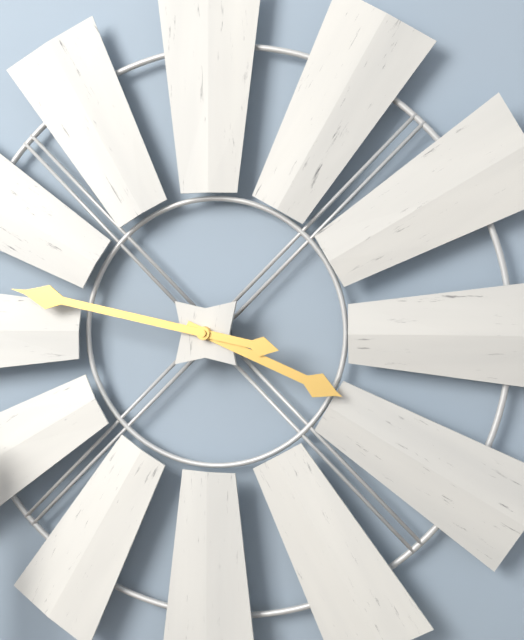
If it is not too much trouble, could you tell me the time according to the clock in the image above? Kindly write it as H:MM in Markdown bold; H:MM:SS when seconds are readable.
**3:47**
